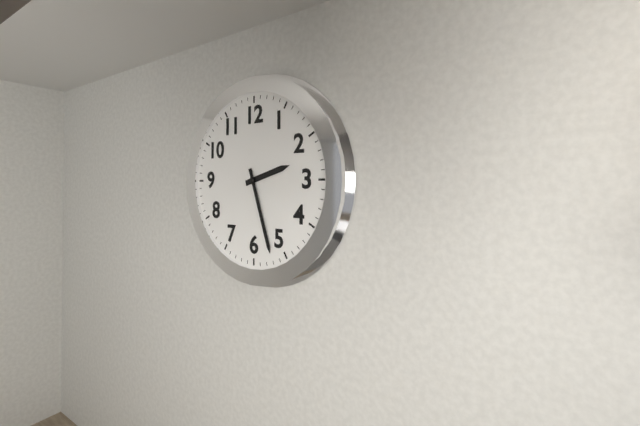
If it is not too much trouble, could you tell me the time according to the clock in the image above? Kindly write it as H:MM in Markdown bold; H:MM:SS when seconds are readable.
**2:27**
